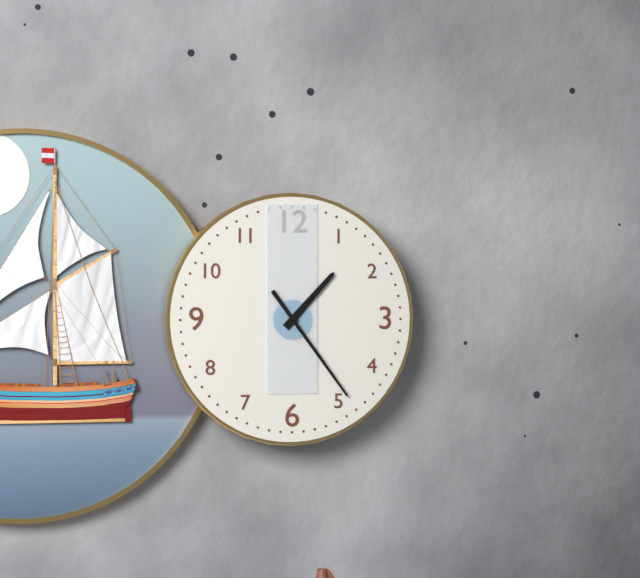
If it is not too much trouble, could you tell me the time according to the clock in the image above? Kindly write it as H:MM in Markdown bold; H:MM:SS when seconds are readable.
**1:24**
